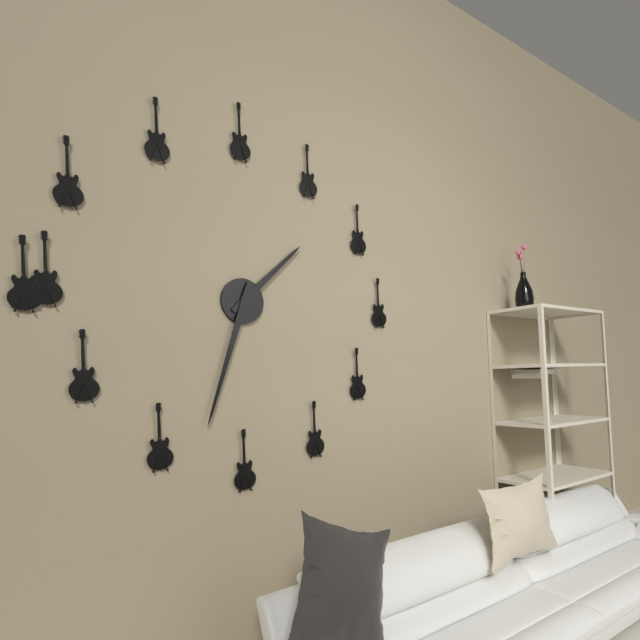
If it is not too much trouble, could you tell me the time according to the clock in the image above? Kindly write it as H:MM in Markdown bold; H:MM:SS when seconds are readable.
**1:33**
